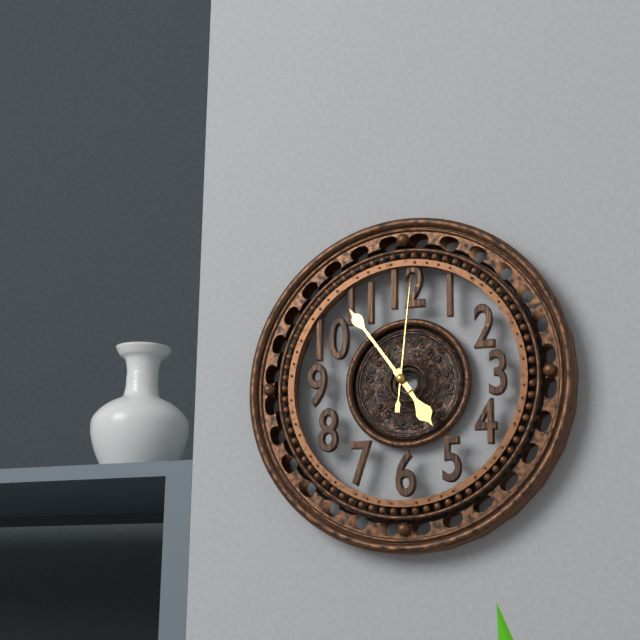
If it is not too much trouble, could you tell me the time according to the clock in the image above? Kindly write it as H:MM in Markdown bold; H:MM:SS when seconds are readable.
**4:54:01**
